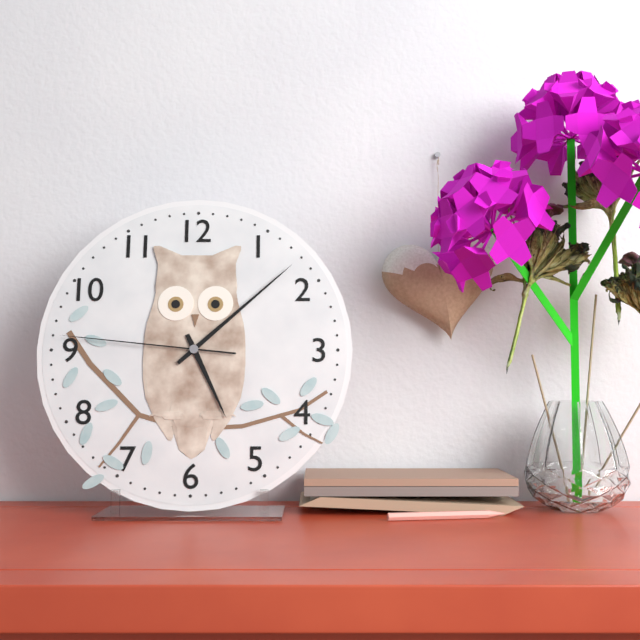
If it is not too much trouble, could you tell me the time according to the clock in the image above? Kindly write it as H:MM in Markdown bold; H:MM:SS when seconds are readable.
**5:08:46**
